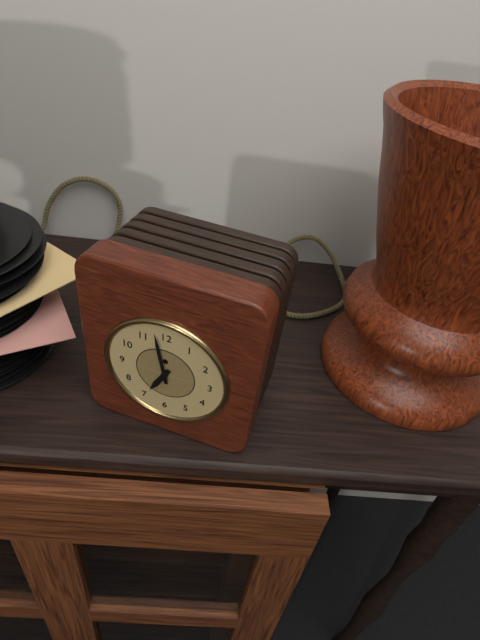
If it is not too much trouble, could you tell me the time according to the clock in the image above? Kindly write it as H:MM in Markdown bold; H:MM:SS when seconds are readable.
**6:58**
